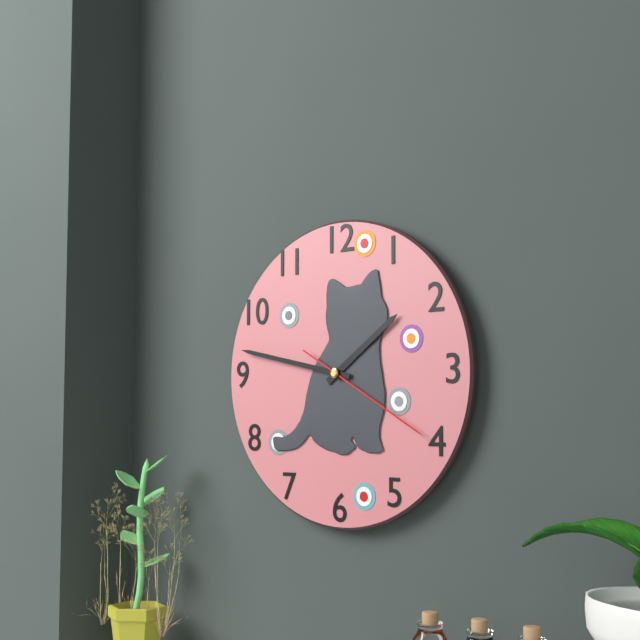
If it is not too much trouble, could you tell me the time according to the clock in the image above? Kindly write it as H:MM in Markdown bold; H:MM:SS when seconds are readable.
**1:47:20**
